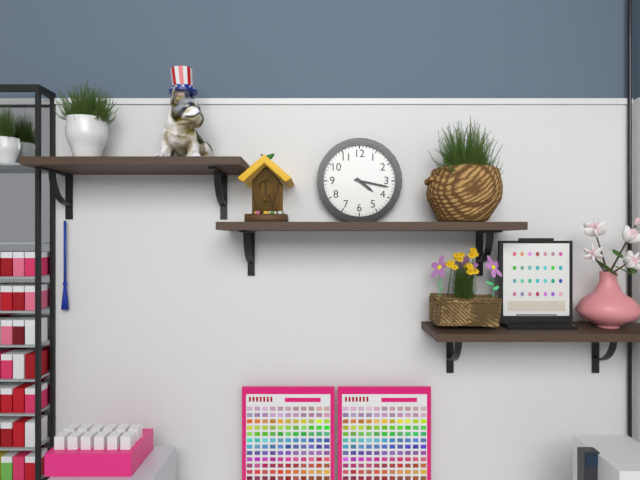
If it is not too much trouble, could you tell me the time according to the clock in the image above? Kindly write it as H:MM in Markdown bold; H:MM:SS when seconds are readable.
**4:17**
